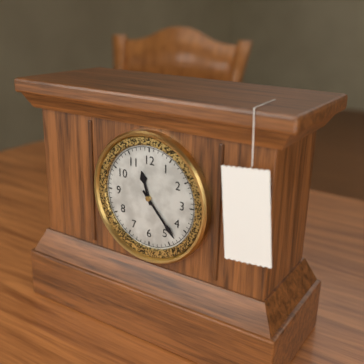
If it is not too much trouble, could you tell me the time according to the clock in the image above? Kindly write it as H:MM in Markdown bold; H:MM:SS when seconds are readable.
**11:23**
